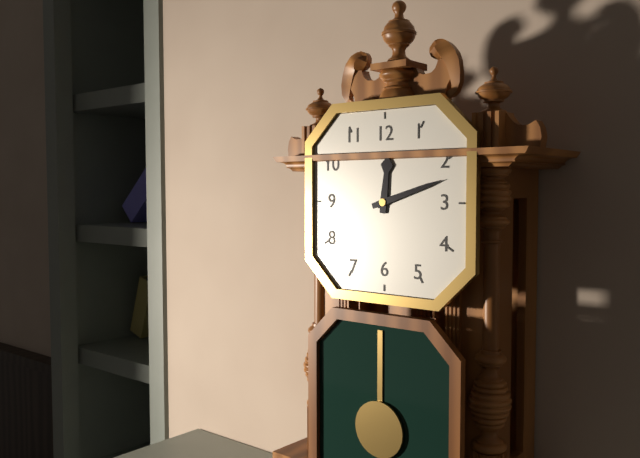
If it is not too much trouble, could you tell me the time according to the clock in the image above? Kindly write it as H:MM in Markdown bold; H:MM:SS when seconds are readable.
**12:12**
